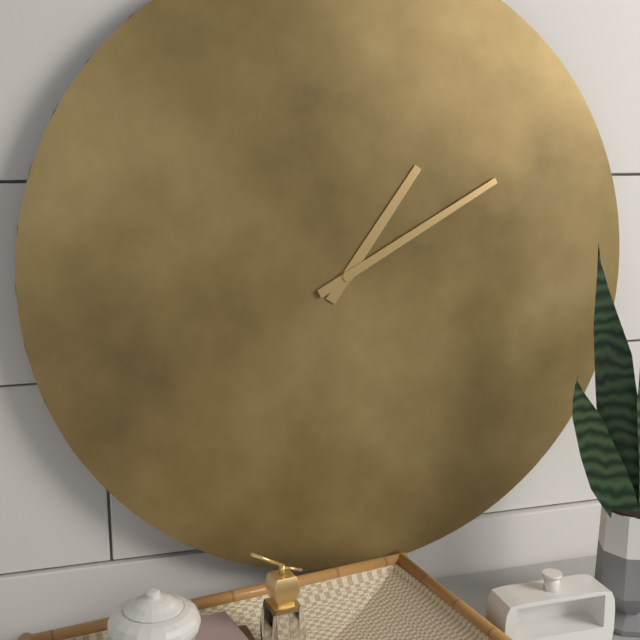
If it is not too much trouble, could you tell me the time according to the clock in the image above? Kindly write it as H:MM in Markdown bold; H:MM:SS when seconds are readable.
**1:10**
